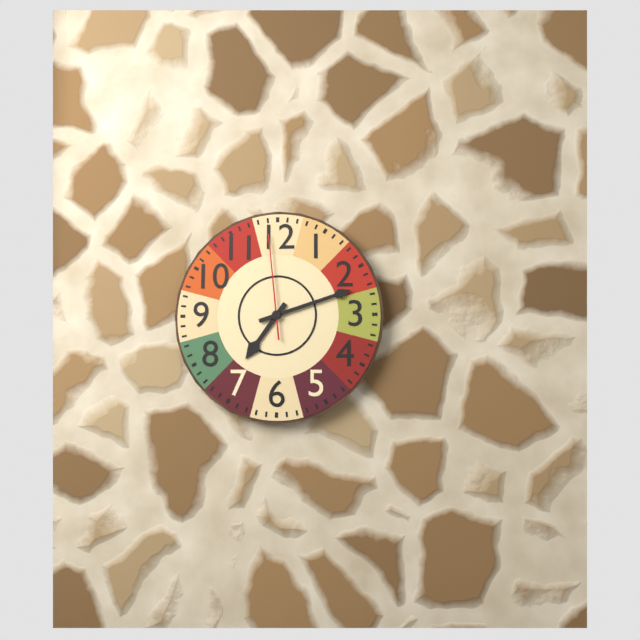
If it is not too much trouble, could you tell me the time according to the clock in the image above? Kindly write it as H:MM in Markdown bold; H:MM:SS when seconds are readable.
**7:12:59**
